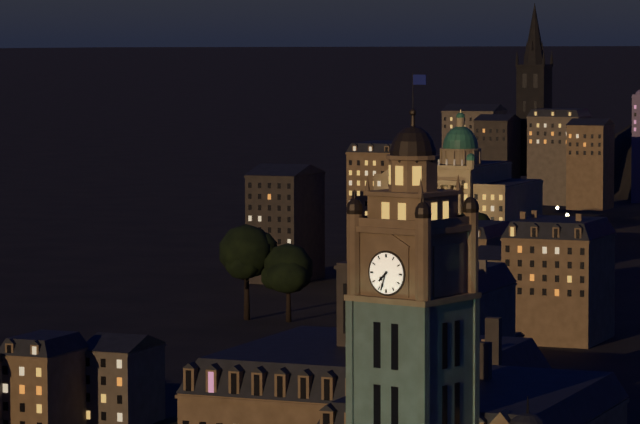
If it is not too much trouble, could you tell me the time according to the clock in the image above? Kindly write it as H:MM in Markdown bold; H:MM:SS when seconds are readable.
**7:33**
